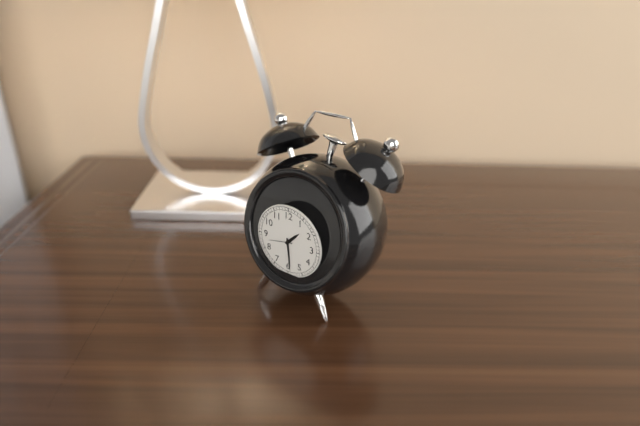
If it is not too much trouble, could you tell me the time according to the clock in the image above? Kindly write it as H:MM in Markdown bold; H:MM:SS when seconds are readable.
**1:29**
